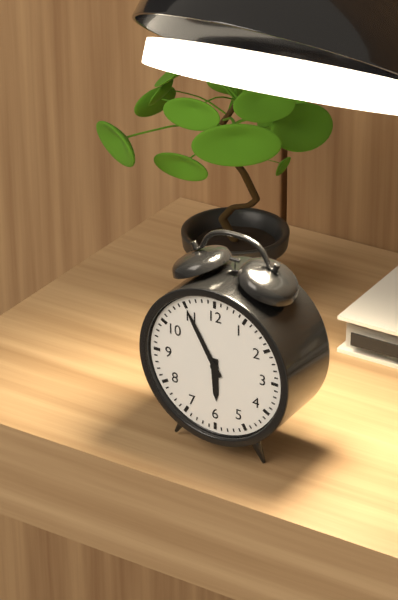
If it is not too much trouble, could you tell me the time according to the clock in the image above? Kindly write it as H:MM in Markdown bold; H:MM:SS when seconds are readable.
**5:55**
